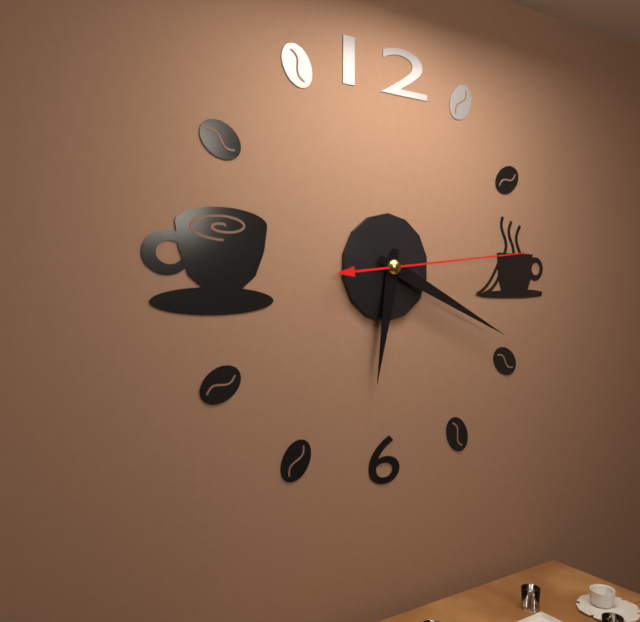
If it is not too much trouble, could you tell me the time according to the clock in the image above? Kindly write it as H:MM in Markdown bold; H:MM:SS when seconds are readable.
**6:19:14**
